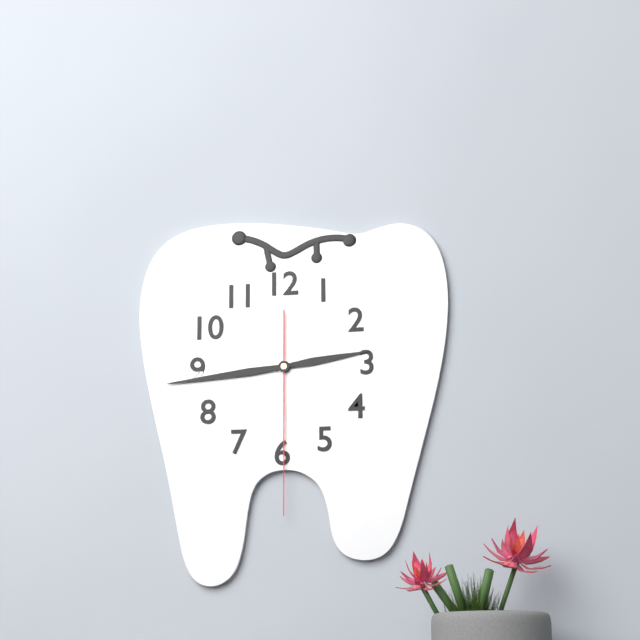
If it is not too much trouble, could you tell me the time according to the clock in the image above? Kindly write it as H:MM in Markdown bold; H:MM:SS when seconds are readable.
**2:44:30**
